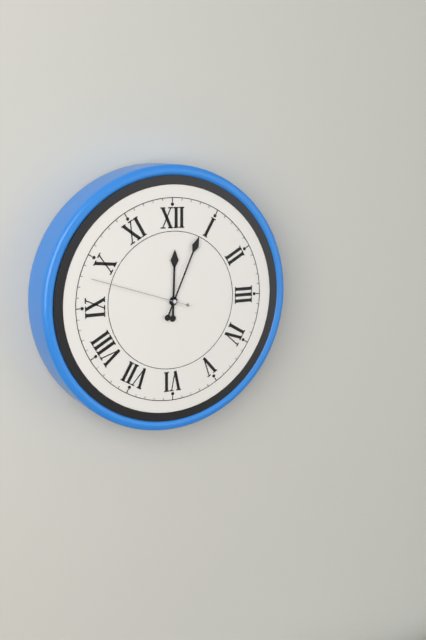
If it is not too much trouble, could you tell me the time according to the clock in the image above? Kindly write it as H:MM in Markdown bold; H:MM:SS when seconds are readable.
**12:04:48**
